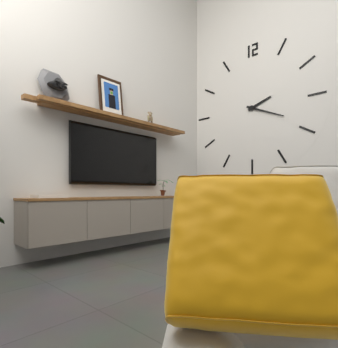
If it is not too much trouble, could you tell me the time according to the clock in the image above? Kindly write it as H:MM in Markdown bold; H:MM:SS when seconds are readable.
**2:19**
